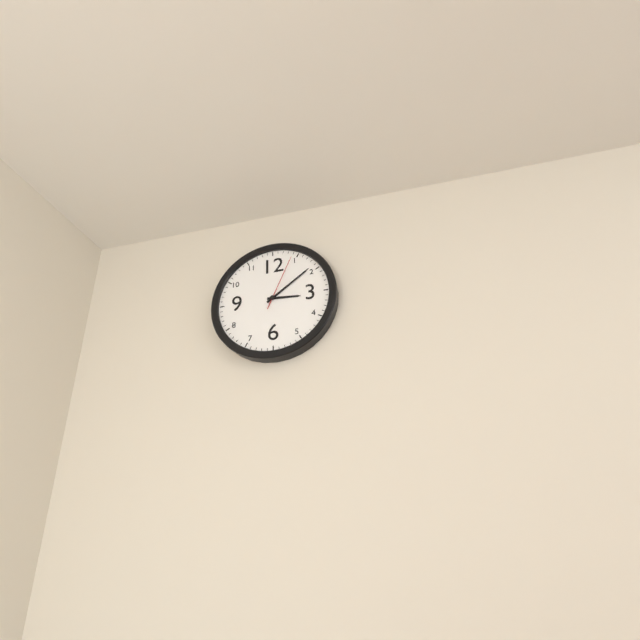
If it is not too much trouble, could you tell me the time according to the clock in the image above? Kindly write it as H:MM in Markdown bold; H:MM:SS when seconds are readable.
**3:09:04**
